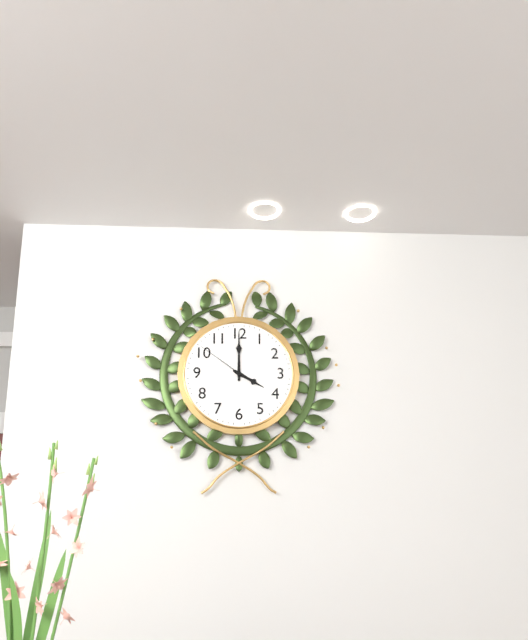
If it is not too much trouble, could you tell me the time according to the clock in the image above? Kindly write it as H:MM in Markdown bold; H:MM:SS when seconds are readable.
**4:00:51**
